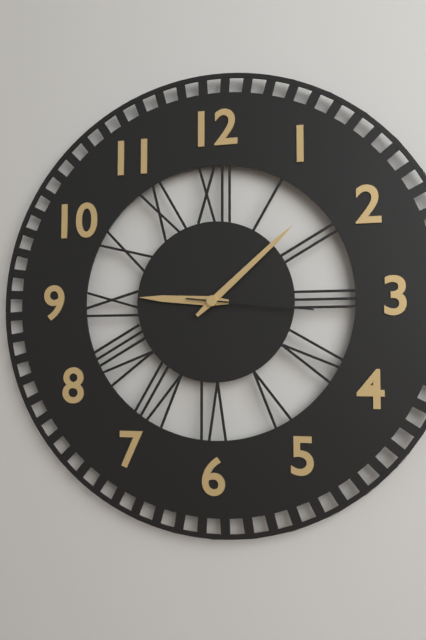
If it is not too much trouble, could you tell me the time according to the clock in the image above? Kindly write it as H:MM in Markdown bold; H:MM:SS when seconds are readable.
**9:08:16**
